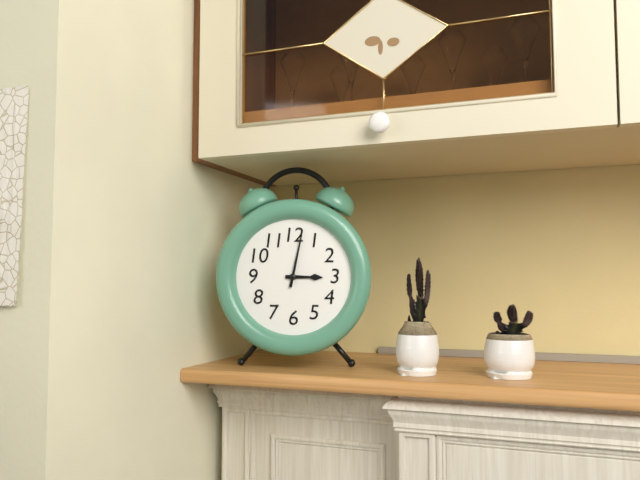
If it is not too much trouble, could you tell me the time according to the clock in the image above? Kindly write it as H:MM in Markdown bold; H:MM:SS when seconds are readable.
**3:02**
